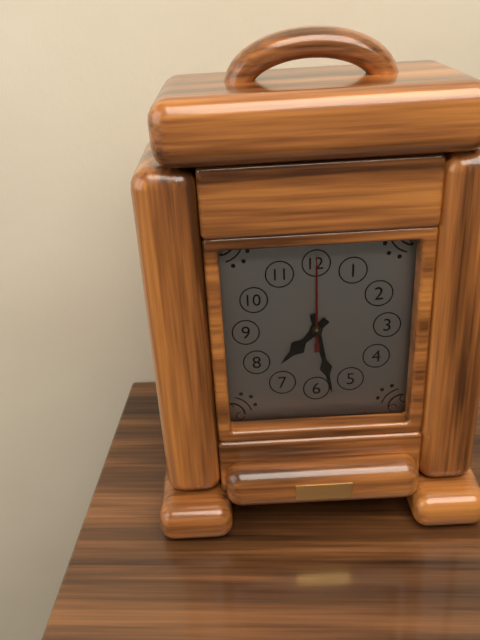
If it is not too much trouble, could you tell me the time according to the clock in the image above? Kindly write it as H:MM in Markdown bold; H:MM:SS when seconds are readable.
**7:28:00**
